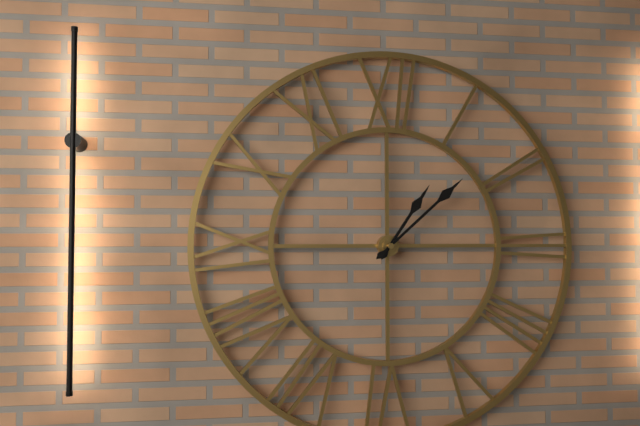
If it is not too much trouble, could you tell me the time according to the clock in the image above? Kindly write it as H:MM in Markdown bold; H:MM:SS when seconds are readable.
**1:08**
